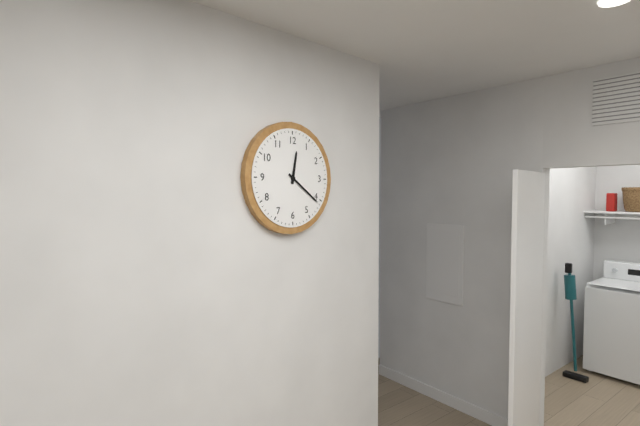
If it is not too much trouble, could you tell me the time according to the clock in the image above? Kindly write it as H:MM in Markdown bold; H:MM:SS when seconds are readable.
**12:21**
